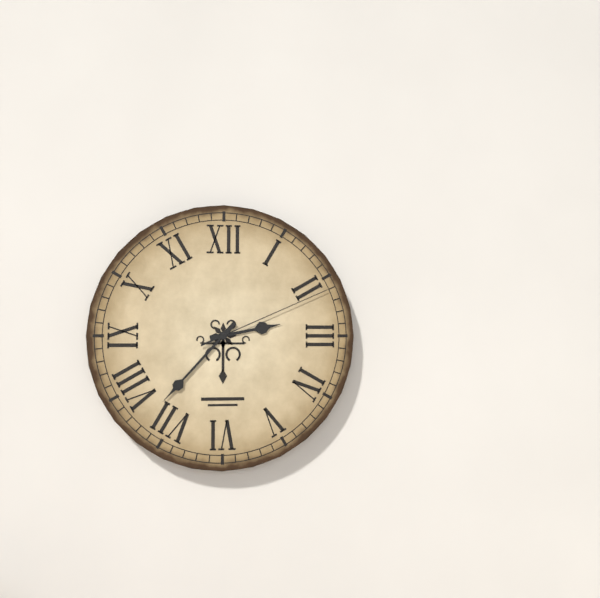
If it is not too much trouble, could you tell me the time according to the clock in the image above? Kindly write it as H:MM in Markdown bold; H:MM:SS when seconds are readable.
**2:37:11**
